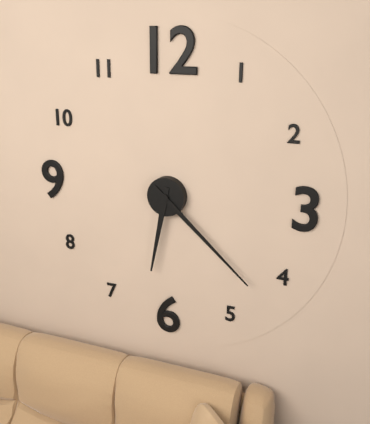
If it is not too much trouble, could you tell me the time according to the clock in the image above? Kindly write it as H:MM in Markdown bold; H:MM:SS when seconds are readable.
**6:22**
